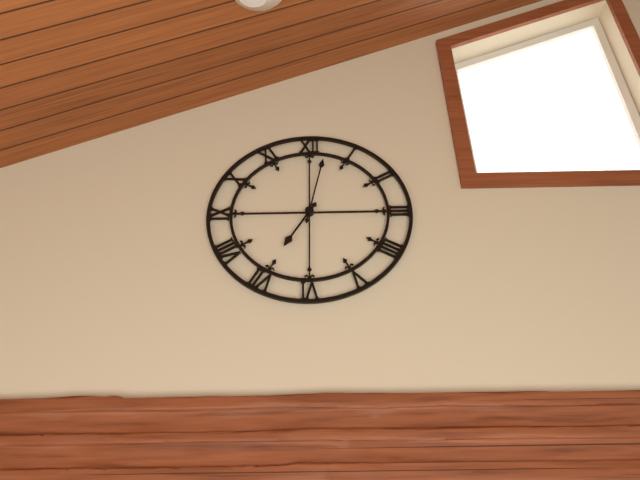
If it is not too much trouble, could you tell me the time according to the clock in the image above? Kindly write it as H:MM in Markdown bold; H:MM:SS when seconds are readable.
**7:02**
